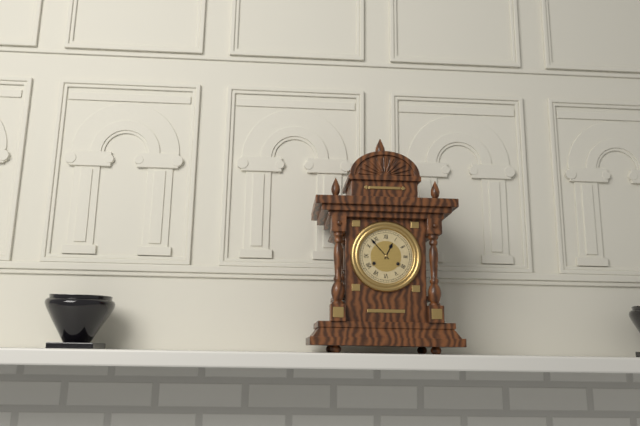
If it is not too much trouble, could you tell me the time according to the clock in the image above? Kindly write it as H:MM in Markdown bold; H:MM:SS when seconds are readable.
**12:53**
